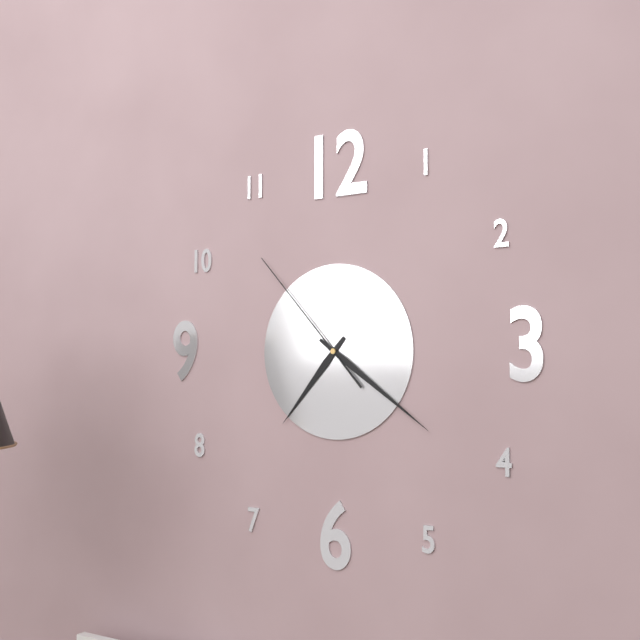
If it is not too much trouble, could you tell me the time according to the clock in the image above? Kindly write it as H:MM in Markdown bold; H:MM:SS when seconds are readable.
**7:21:53**
